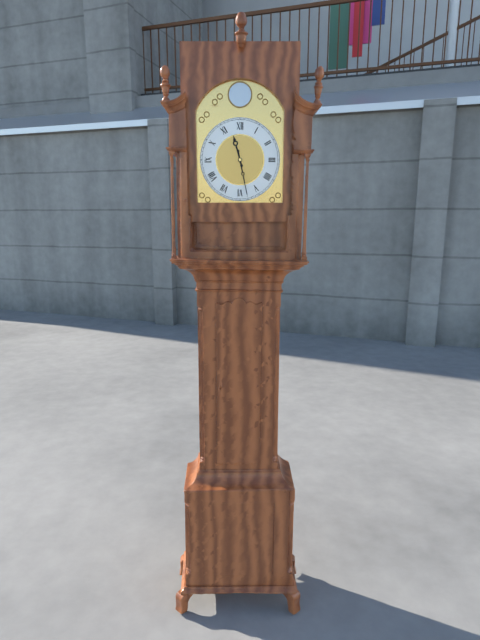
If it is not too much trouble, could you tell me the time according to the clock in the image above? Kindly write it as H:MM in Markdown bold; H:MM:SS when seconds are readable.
**11:28**
